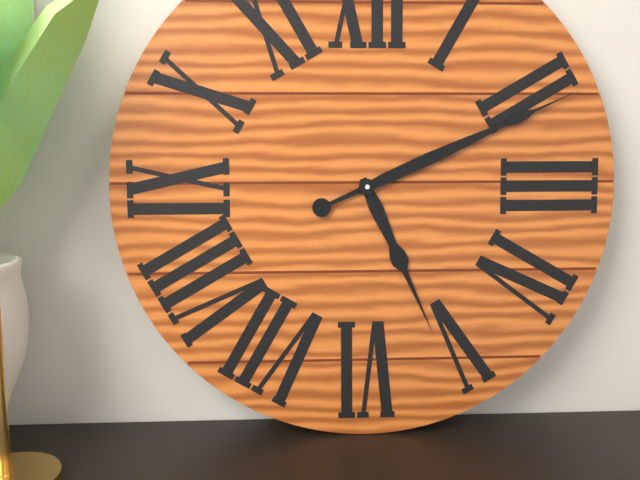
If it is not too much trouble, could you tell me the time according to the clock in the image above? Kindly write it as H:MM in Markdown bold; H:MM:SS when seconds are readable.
**5:11**
